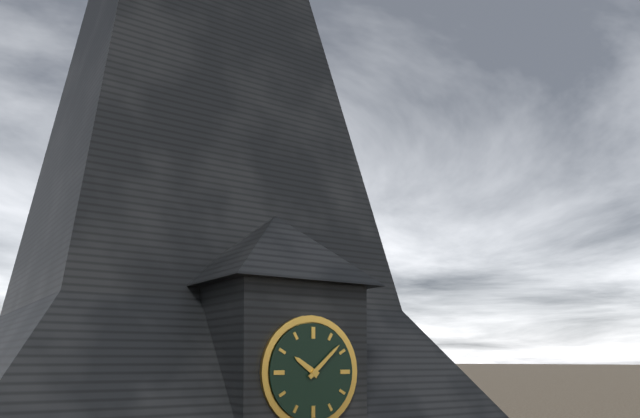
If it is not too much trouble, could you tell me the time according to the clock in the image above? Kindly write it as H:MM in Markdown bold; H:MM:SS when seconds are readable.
**10:08**
